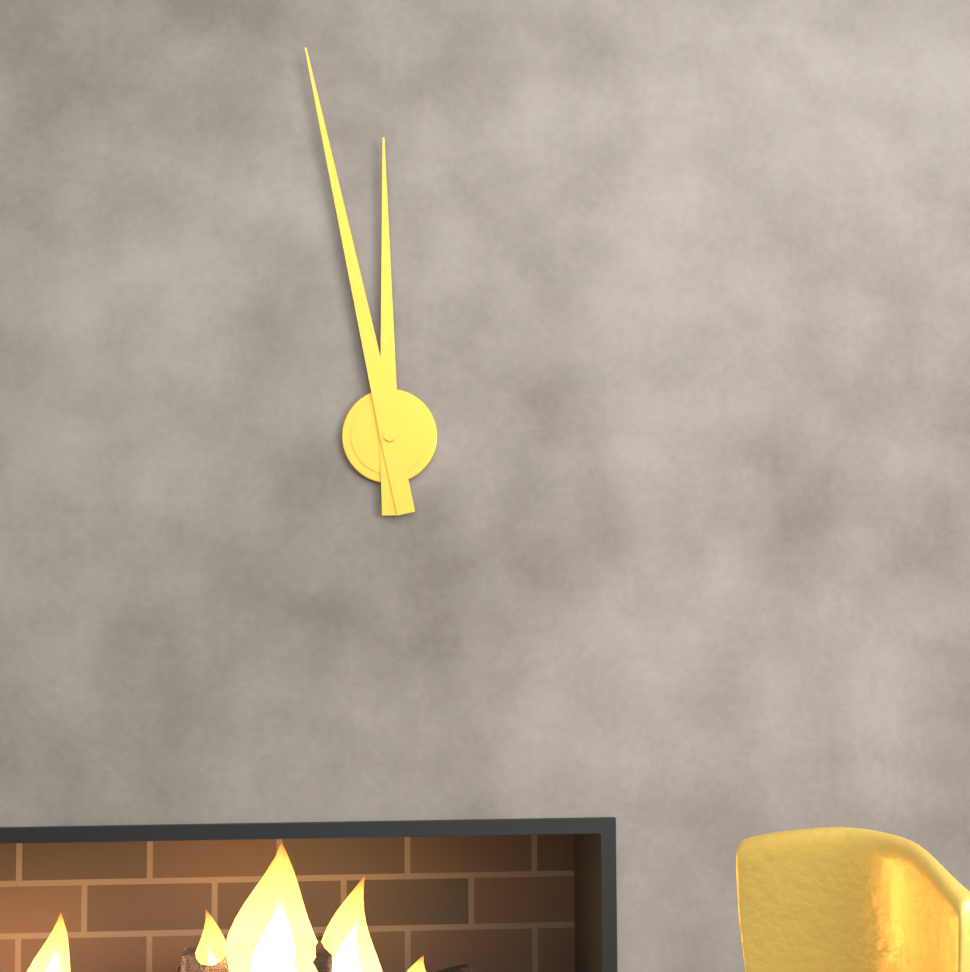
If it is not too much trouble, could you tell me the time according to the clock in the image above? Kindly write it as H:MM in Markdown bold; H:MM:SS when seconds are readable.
**11:58**
